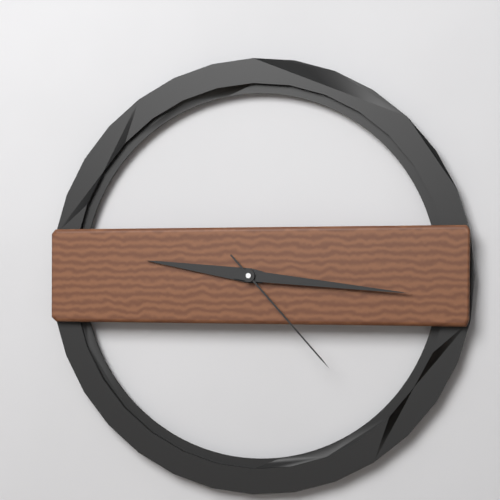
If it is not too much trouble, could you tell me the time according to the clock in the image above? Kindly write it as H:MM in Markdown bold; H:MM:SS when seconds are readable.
**9:16:23**
